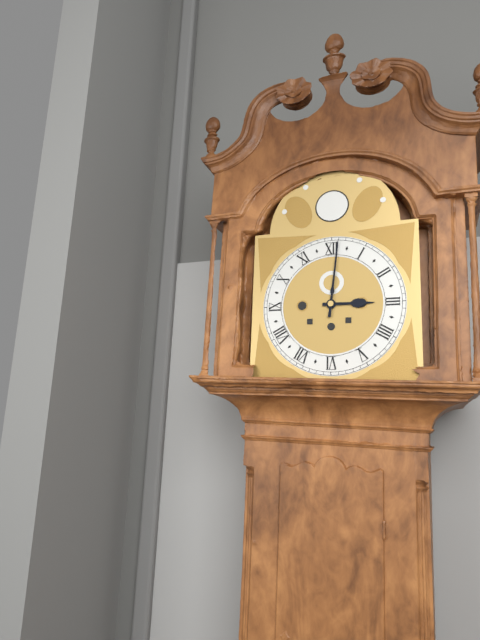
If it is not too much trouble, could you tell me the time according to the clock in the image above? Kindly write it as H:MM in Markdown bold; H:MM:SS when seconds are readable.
**3:01**
